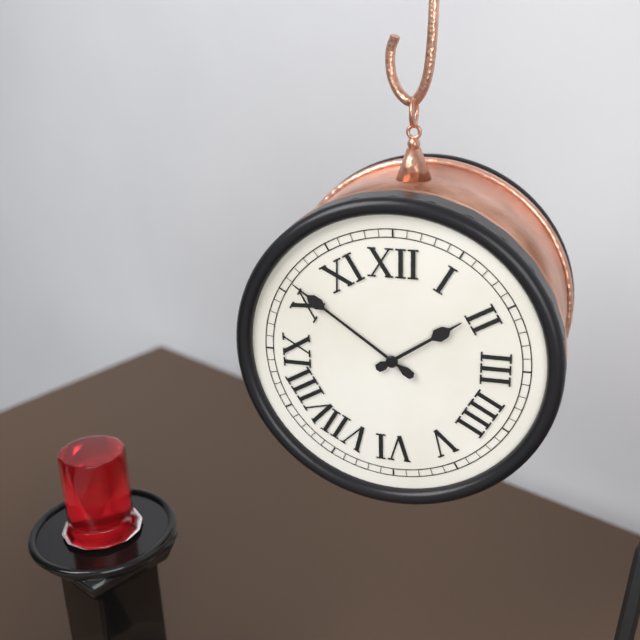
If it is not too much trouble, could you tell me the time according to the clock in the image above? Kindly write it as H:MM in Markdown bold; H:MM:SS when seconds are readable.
**1:51**
